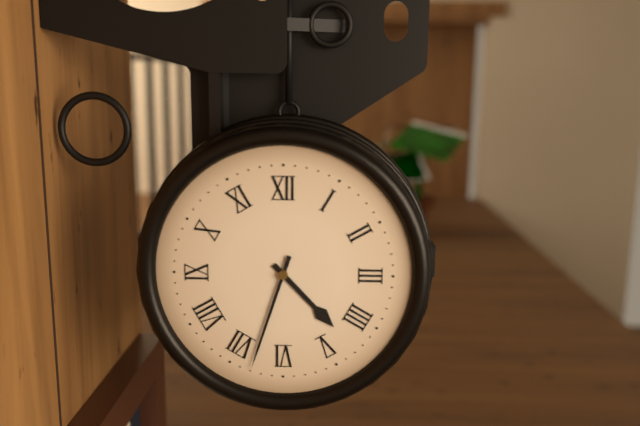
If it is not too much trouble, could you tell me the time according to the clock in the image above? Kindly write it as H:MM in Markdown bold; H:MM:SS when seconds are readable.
**4:33**
